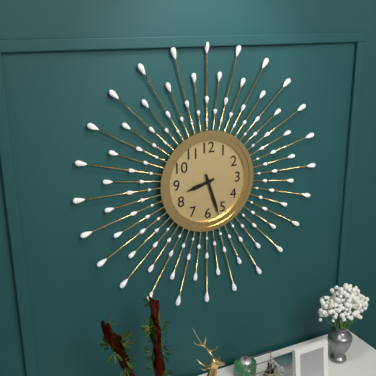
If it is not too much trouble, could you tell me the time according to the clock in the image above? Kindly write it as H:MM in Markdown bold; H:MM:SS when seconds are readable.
**8:27**
